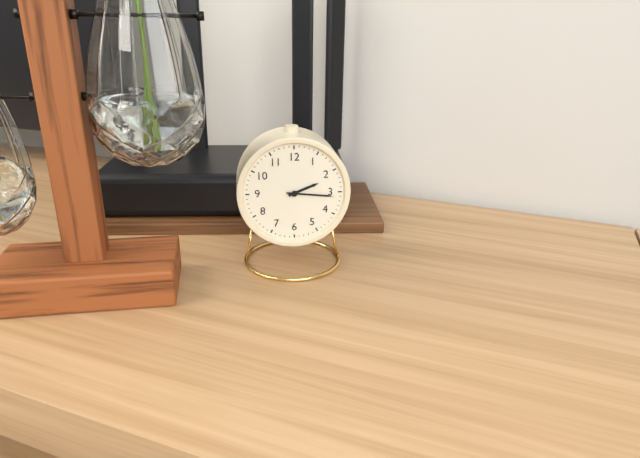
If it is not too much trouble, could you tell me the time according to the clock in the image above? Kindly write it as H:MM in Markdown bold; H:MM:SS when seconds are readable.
**2:16**
